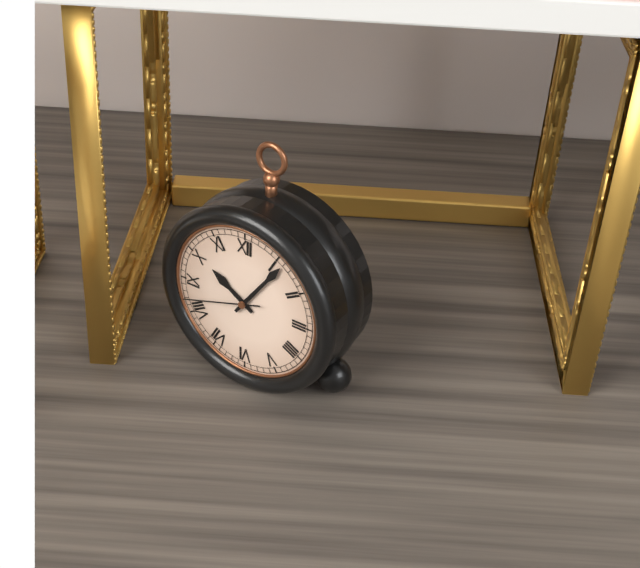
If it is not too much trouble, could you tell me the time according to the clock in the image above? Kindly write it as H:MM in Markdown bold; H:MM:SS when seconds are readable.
**10:06:42**
